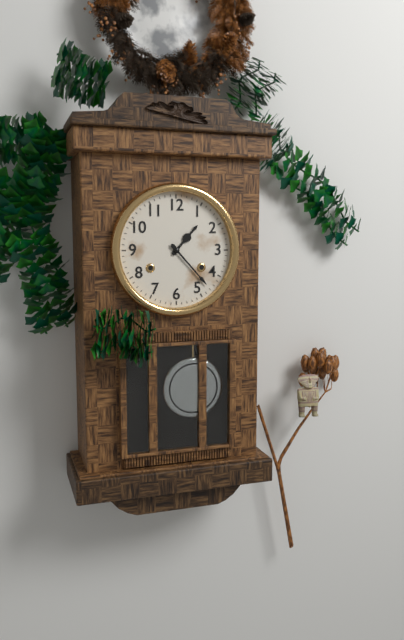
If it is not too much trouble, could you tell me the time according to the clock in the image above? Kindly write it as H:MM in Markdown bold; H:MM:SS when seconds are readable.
**1:23**
